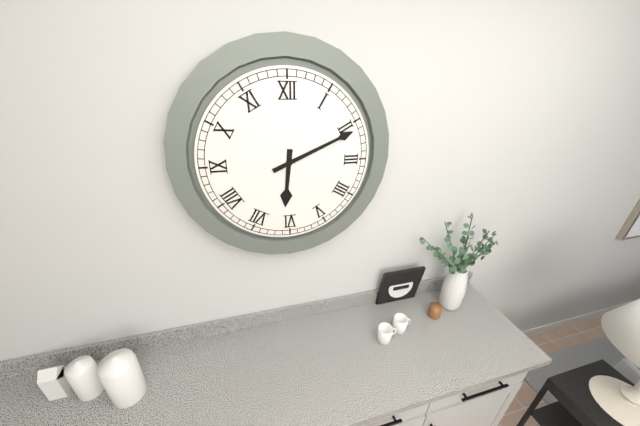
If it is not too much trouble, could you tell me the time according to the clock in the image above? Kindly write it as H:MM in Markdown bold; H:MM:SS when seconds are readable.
**6:11**
